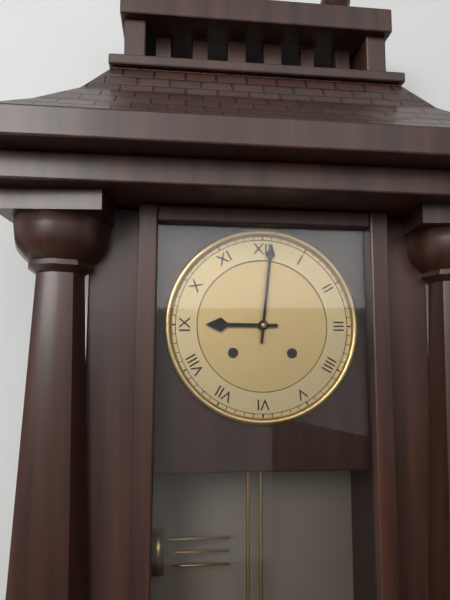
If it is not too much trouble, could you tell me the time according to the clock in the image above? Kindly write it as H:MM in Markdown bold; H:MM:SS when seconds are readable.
**9:01**
